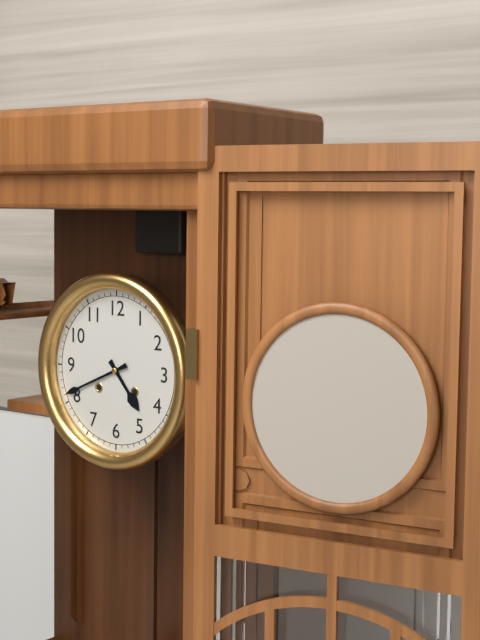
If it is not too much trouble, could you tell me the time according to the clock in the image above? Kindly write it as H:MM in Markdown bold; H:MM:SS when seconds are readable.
**4:41**
